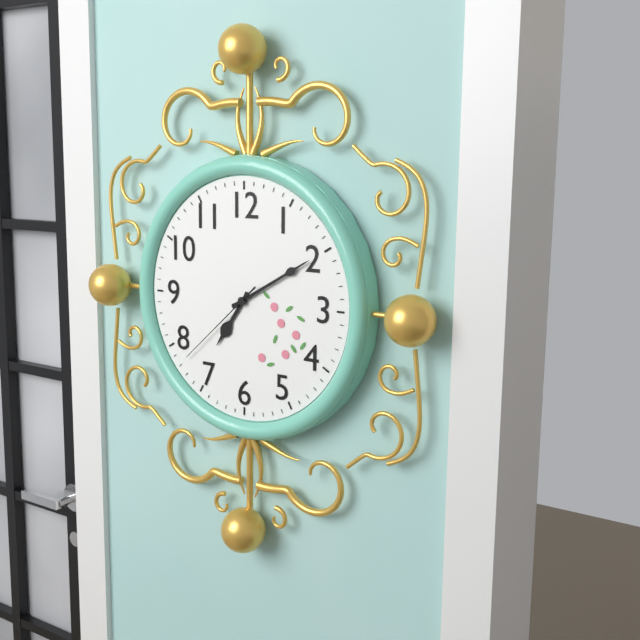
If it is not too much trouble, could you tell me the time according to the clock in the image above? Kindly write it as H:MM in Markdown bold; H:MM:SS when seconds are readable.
**7:10:38**
